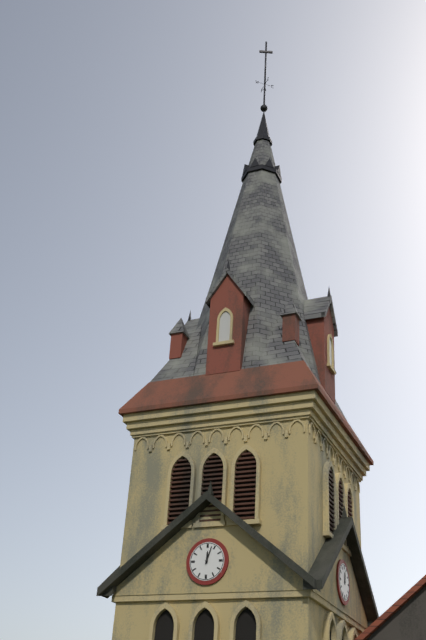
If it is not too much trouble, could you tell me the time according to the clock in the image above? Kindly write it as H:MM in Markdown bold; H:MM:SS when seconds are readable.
**12:03**
